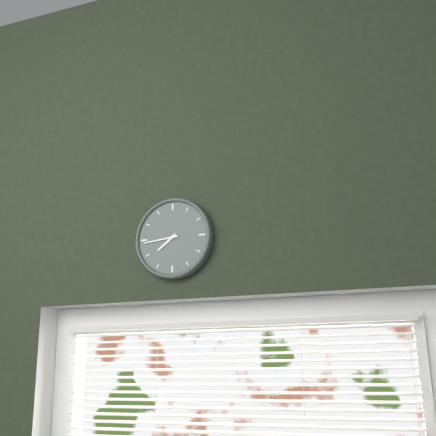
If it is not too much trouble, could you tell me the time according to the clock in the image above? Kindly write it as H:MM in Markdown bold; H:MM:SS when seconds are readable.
**7:44**
